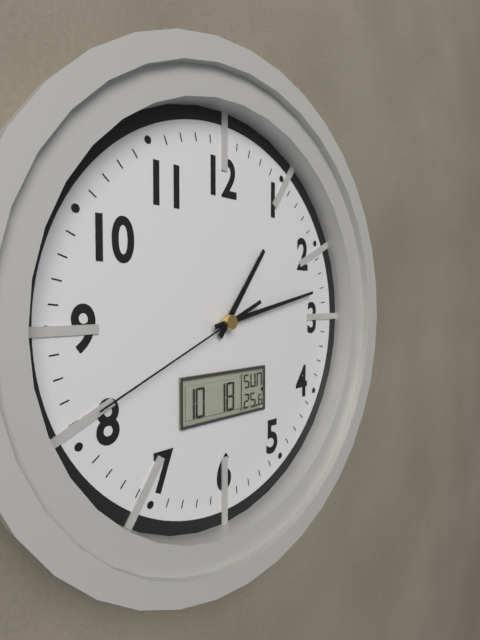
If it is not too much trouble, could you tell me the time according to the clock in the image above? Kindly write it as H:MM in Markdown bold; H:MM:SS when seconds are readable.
**1:13:41**
